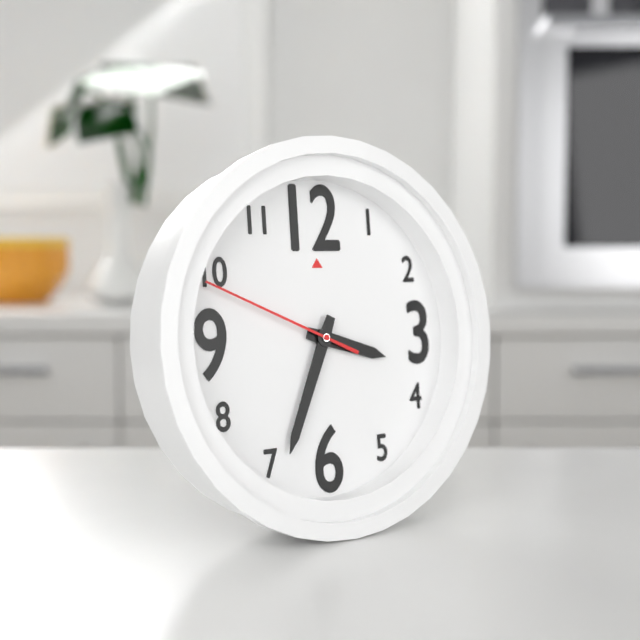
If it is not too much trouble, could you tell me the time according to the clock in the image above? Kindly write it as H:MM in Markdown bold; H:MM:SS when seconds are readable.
**3:34:49**
